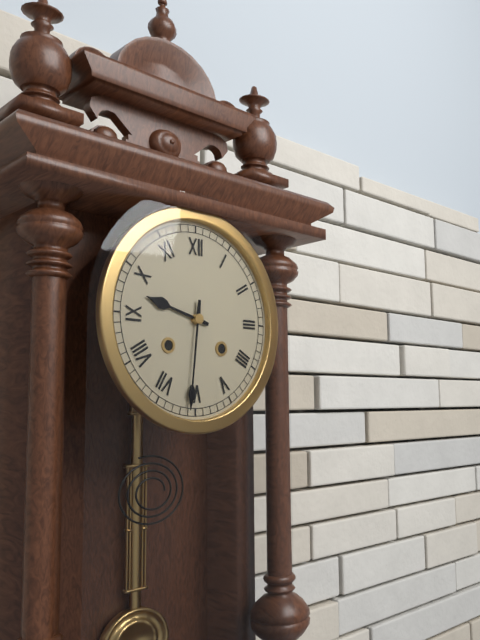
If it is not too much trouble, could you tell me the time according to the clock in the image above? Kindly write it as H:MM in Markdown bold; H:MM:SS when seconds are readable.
**9:31**
